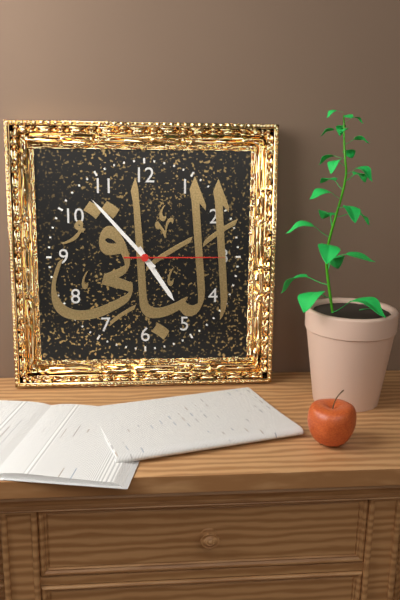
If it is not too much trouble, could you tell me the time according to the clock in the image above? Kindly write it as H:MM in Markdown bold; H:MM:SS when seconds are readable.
**4:53:15**
